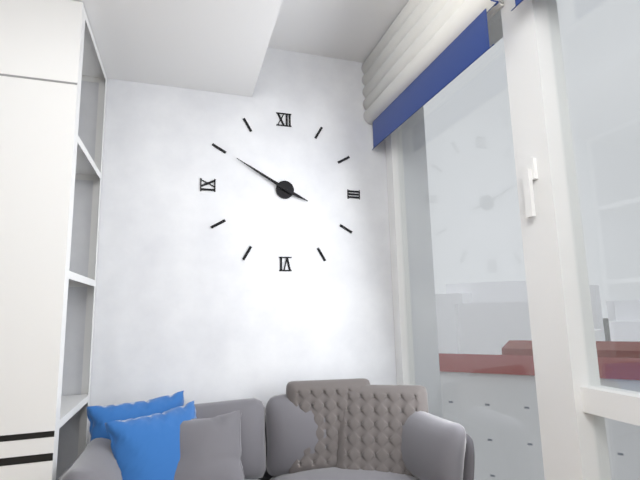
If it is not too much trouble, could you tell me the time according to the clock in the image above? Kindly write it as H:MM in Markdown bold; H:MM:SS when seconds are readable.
**3:50**
